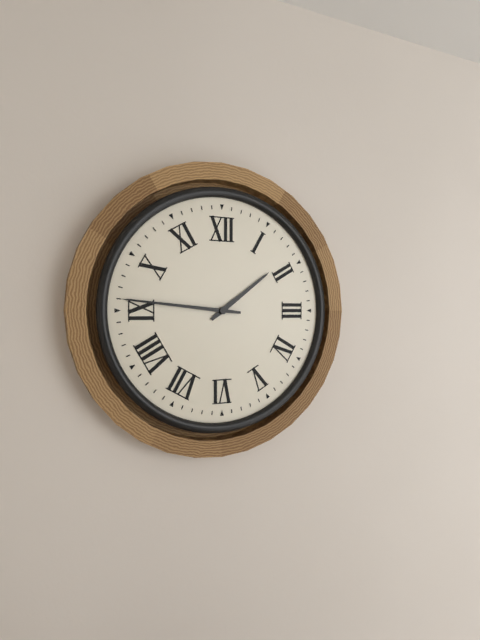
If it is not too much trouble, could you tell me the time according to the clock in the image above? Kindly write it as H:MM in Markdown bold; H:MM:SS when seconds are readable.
**1:46**
